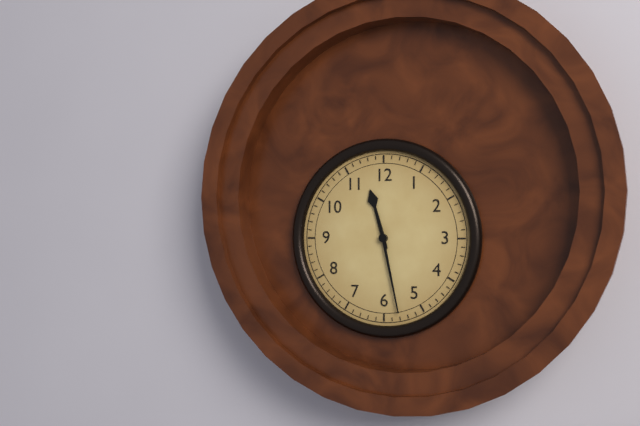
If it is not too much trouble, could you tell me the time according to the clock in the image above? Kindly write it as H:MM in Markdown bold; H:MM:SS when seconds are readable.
**11:28**
